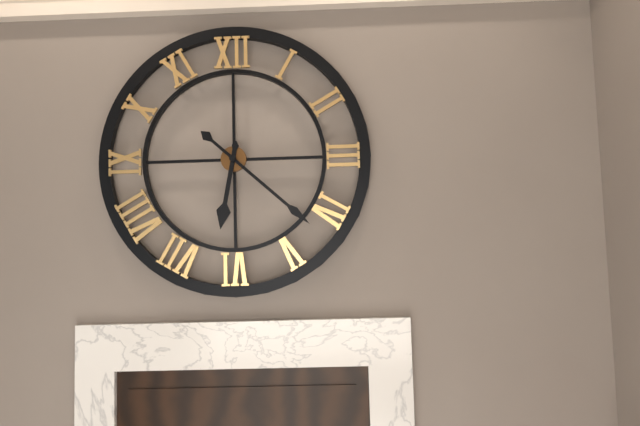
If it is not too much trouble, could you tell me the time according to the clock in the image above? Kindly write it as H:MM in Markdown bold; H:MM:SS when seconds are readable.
**6:22**
